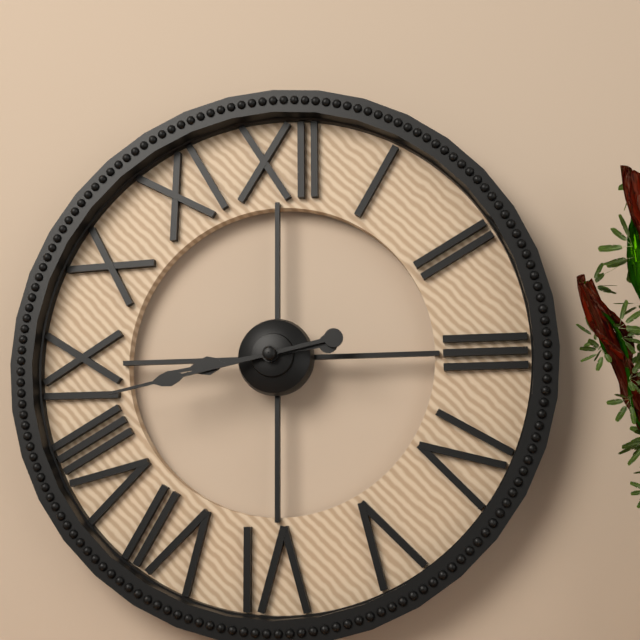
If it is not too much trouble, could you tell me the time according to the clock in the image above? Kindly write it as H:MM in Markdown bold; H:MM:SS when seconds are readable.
**8:43**
